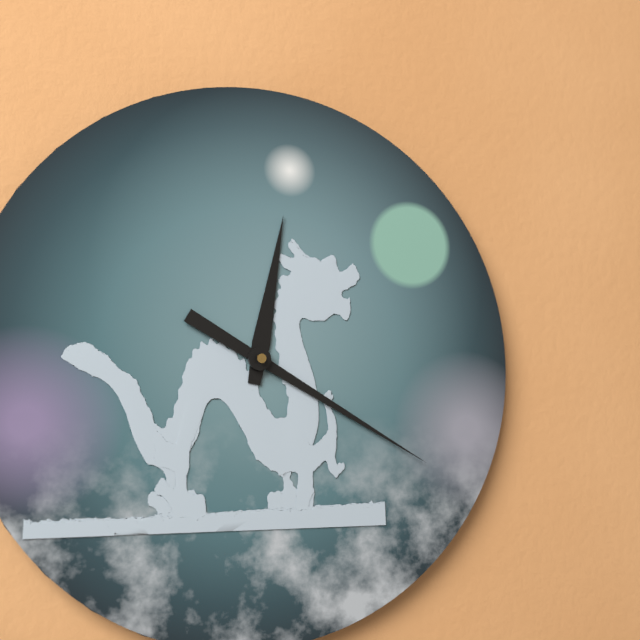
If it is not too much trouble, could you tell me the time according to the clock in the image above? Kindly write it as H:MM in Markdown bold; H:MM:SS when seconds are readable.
**12:20**
